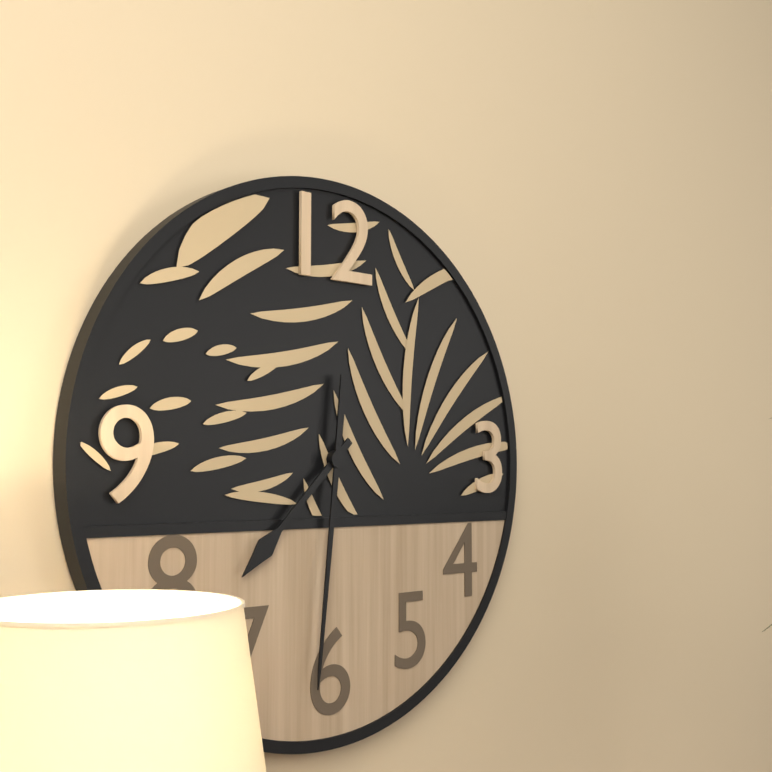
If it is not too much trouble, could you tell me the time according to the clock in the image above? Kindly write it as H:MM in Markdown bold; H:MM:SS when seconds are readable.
**7:31**
